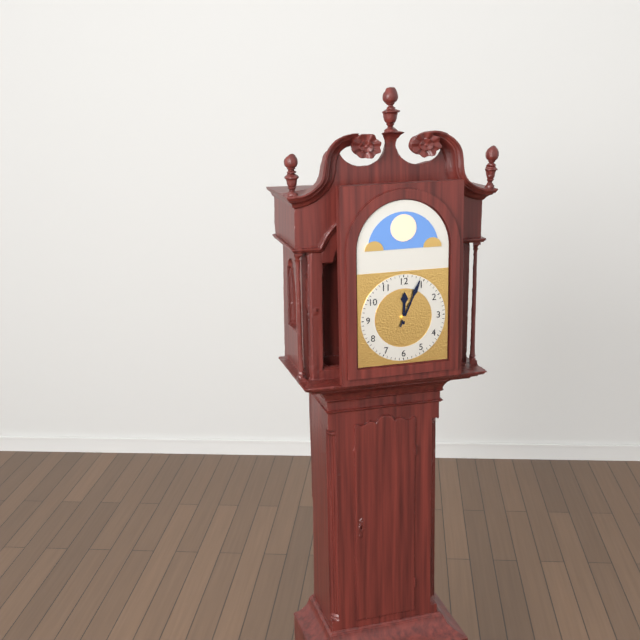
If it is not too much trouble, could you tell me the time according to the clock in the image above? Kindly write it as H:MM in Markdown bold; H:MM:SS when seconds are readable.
**12:04**
